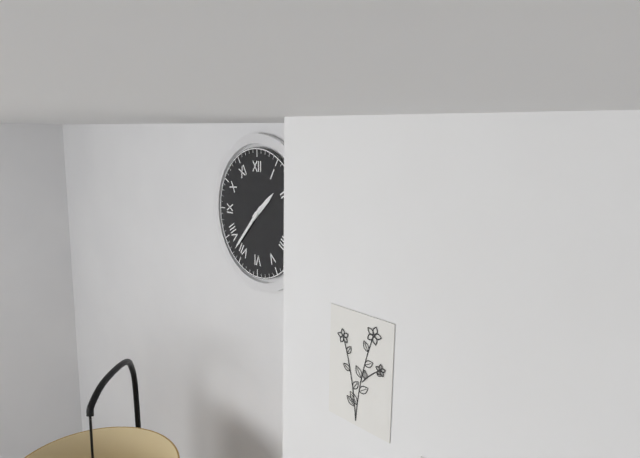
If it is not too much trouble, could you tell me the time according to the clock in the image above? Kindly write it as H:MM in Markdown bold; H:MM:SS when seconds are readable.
**1:37**
